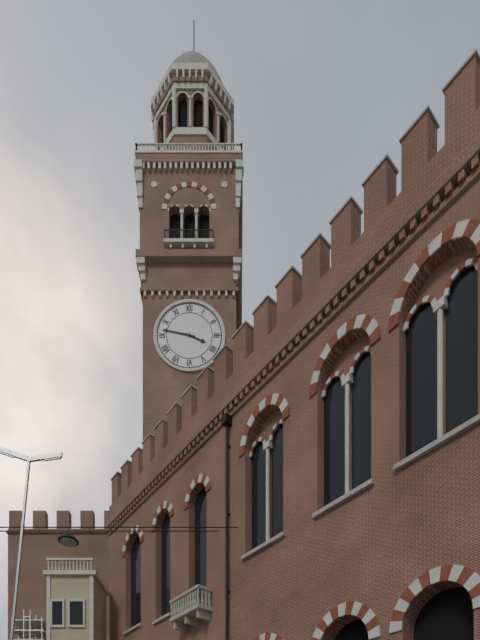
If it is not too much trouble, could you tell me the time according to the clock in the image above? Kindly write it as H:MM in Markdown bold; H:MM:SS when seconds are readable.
**3:47**
